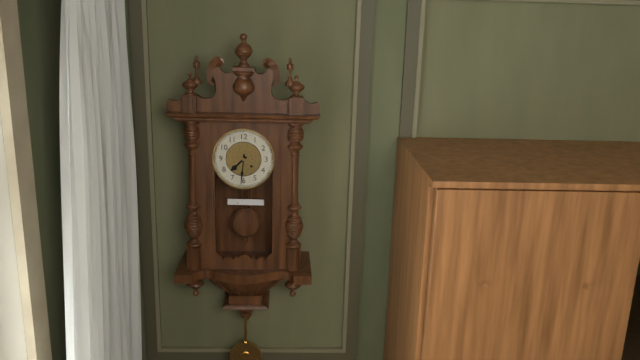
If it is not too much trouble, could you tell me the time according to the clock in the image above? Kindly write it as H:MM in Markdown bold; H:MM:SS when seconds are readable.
**7:31**
